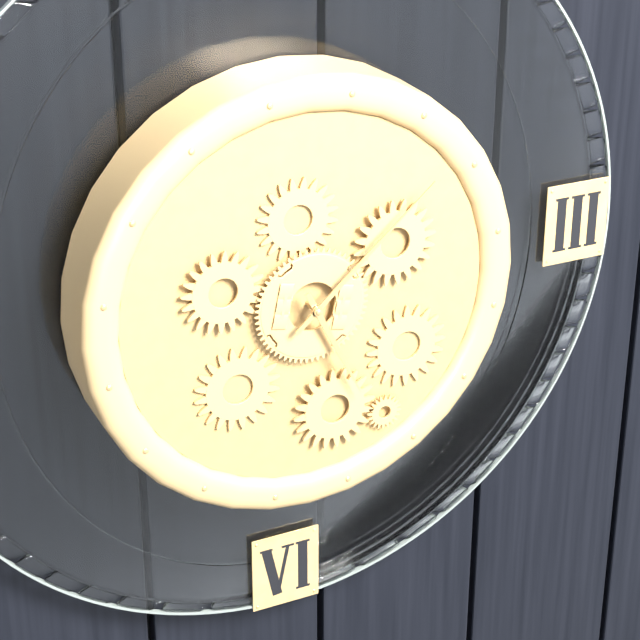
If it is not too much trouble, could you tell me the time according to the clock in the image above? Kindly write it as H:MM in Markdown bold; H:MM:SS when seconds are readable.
**5:08**
